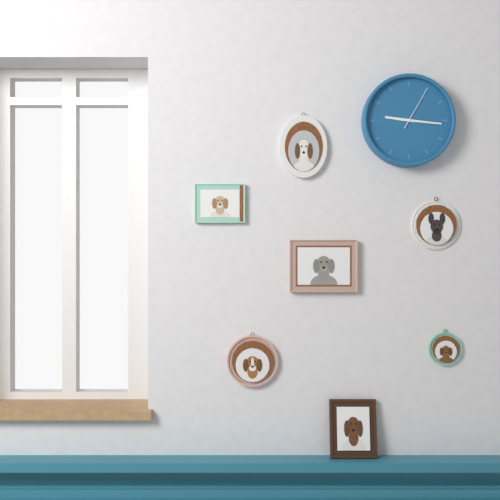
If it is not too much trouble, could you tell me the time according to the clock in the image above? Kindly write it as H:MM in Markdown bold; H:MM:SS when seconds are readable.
**9:16**
